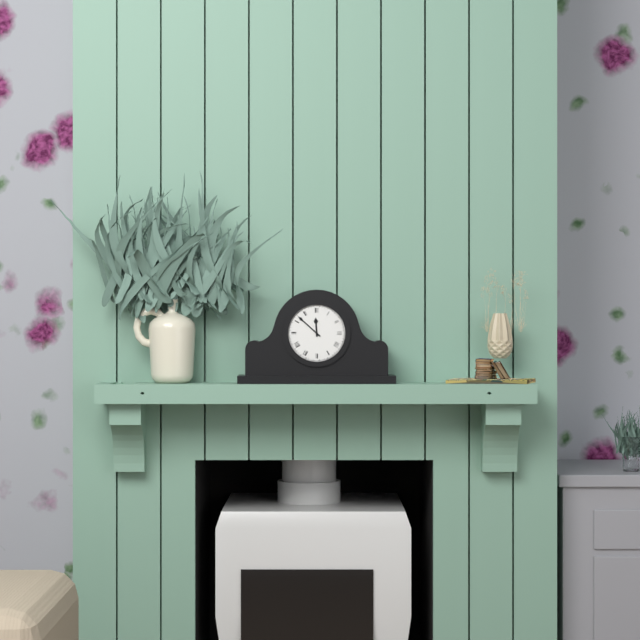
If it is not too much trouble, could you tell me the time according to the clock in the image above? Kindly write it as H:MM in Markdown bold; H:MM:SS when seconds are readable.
**11:52**
